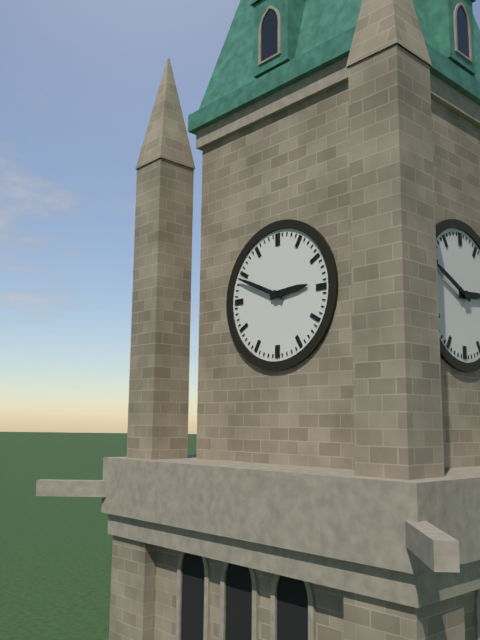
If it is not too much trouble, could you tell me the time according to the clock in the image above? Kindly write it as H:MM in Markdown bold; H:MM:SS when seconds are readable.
**2:49**
